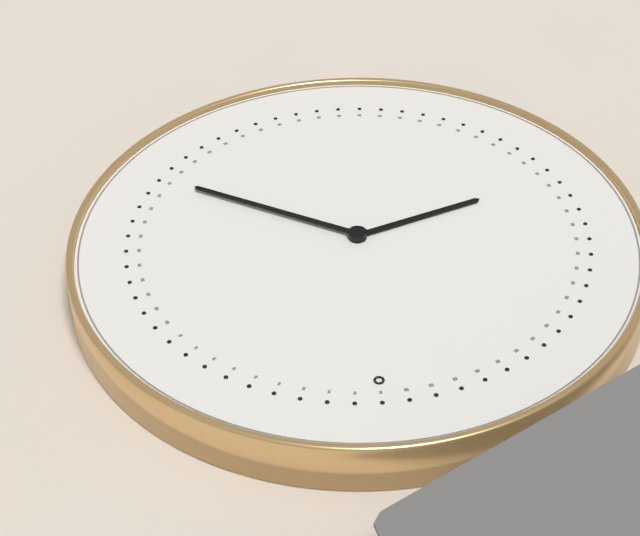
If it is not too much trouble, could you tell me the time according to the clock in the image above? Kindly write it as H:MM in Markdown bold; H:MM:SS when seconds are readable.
**8:20**
